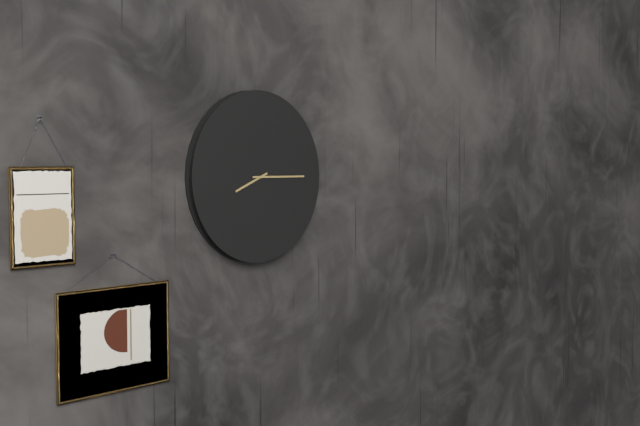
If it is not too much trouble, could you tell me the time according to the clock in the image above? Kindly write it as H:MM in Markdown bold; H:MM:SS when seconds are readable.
**8:15**
